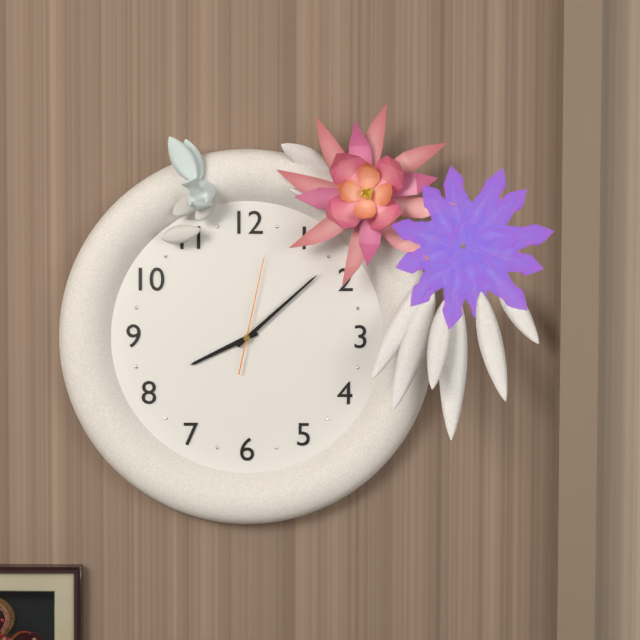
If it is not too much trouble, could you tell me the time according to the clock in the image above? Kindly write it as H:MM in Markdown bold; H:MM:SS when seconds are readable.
**8:08:02**
